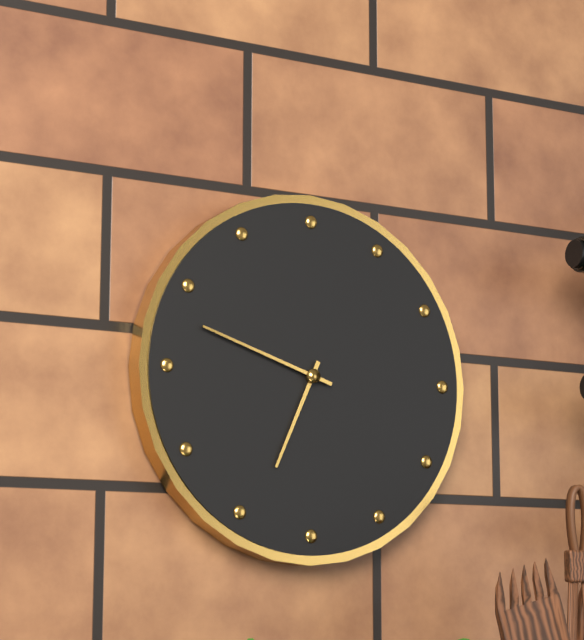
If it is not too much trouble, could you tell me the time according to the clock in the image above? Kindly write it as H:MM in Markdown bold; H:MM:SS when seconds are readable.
**6:48**
